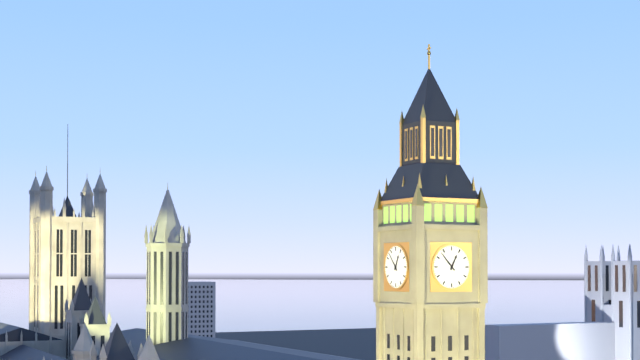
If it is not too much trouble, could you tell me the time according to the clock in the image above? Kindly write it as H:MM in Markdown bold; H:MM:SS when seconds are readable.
**12:53**
